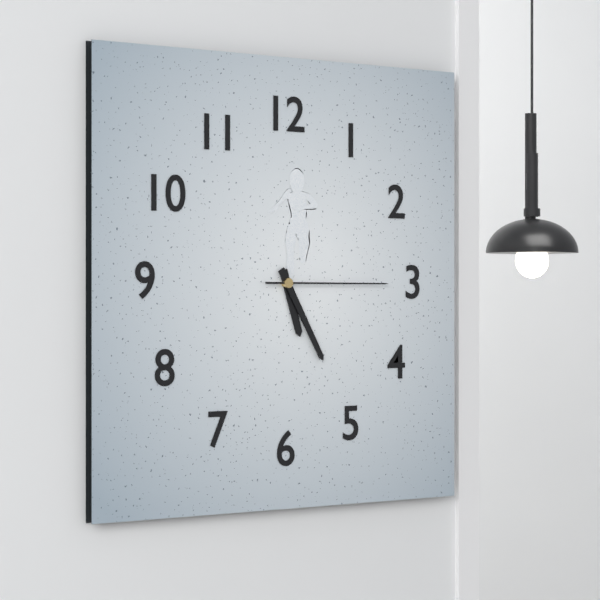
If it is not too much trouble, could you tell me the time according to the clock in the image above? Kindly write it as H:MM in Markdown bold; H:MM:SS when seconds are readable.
**5:25:15**
